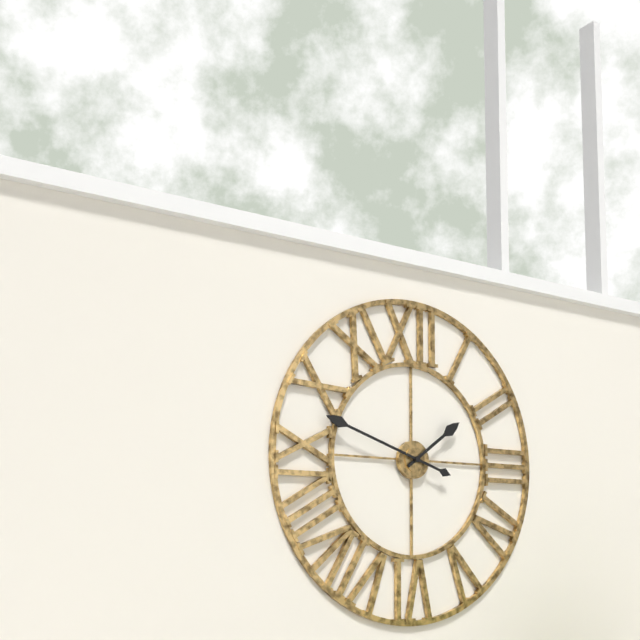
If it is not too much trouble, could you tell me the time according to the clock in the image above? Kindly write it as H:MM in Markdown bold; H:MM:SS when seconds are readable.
**1:48**
